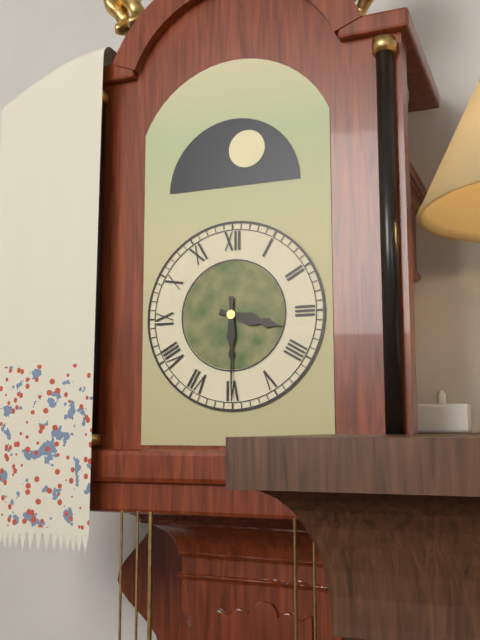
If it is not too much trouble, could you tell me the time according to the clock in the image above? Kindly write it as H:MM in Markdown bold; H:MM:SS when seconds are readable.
**3:30**
